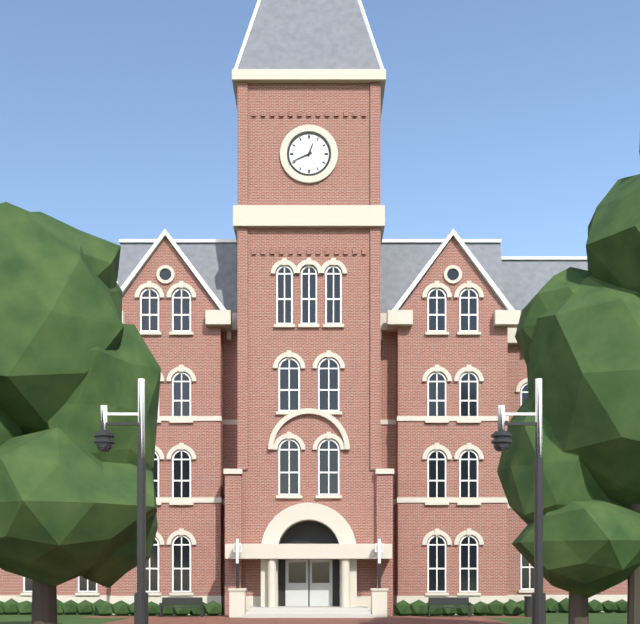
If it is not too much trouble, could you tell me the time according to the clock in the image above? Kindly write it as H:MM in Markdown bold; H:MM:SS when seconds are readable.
**12:41**
